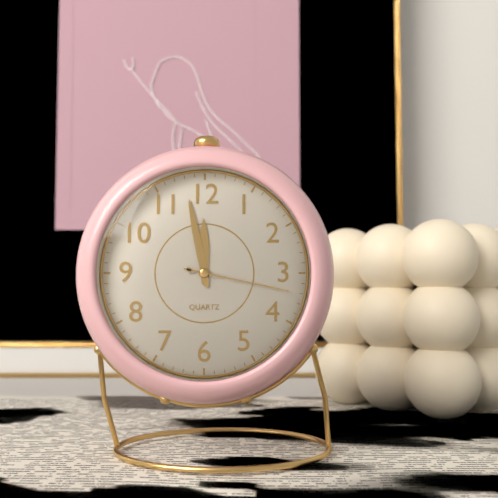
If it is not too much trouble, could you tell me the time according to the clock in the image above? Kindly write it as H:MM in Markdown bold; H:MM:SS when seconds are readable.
**11:58:17**
